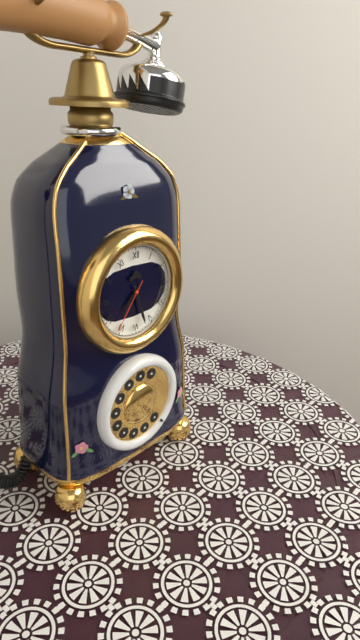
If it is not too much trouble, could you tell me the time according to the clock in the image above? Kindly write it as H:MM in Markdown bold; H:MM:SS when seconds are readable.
**7:27:36**
